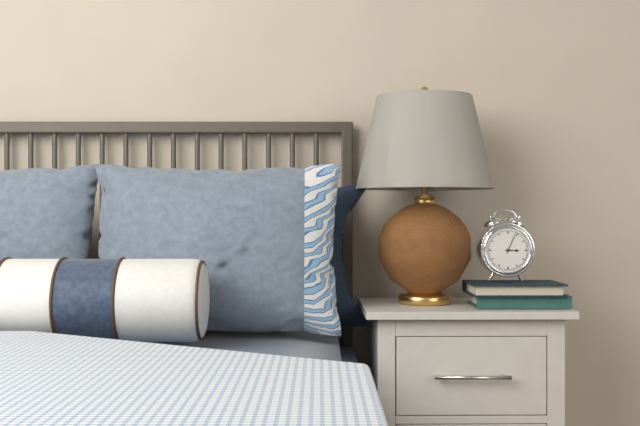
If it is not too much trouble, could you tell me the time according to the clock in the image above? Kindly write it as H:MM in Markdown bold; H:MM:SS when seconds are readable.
**3:04**
